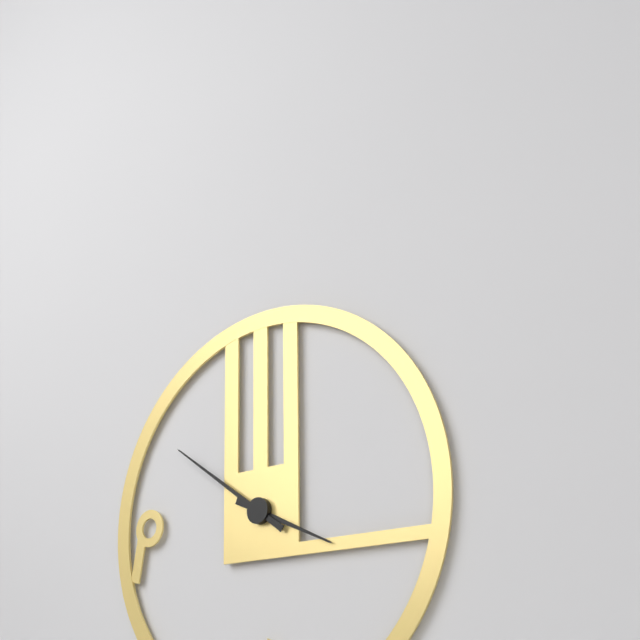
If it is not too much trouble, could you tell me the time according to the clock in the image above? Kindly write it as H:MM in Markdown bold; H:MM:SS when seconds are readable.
**3:51**
